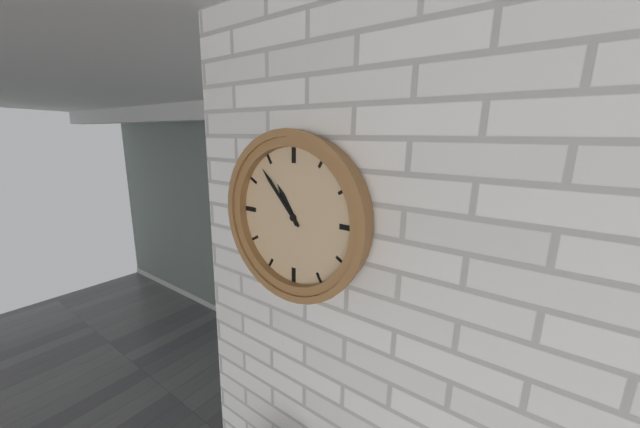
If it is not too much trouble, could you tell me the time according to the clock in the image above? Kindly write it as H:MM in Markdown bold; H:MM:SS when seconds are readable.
**10:53**
